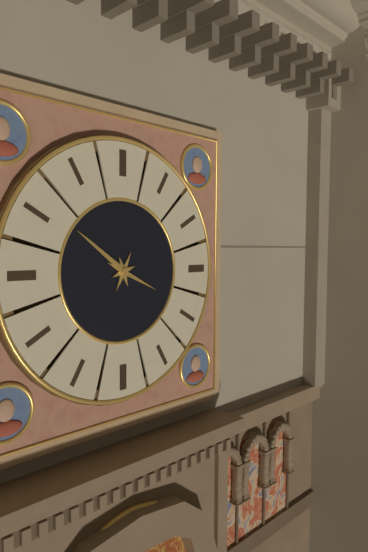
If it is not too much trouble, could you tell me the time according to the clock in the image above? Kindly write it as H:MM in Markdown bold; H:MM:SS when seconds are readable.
**3:51**
